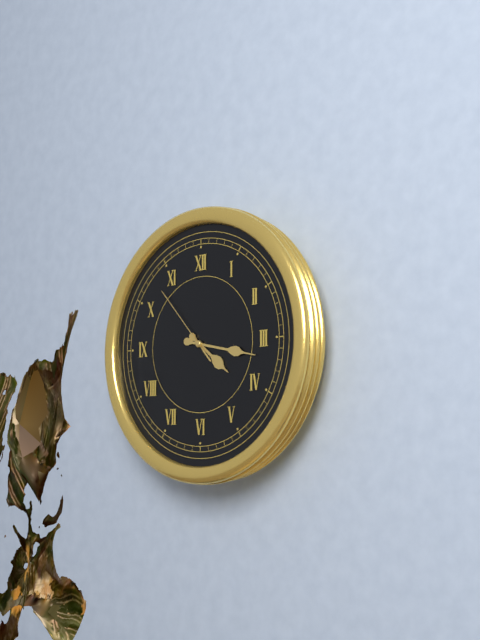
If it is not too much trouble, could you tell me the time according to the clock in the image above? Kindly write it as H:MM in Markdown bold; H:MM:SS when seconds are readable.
**4:17:53**
